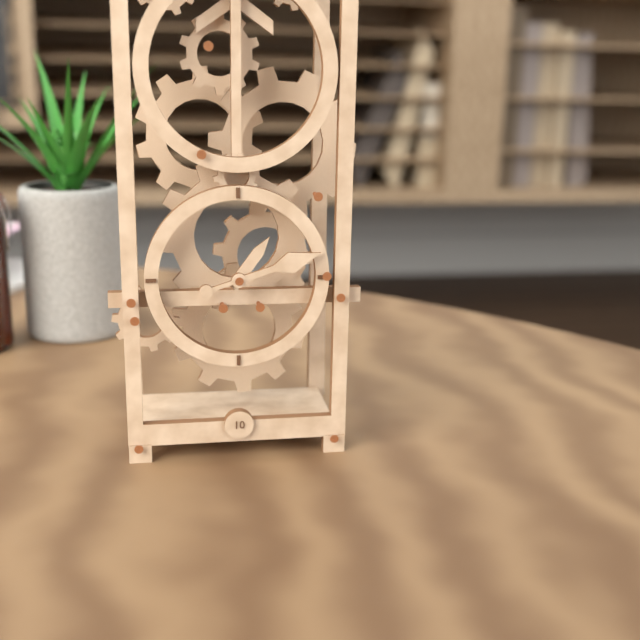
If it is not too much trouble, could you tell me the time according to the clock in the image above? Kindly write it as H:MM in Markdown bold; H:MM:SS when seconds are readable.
**1:12**
